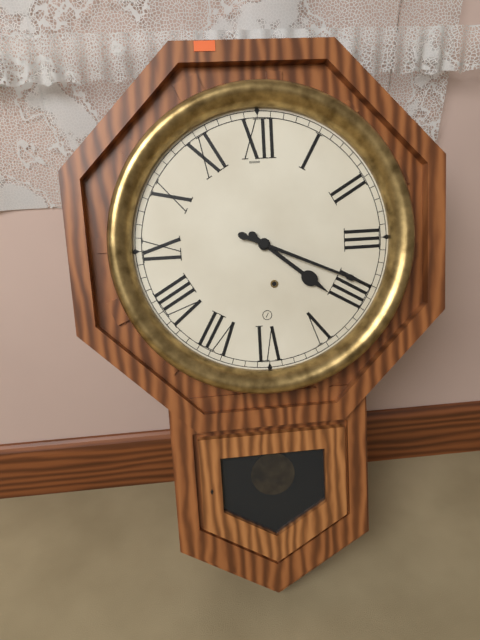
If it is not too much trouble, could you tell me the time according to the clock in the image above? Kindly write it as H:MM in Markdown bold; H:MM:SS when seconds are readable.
**4:19**
